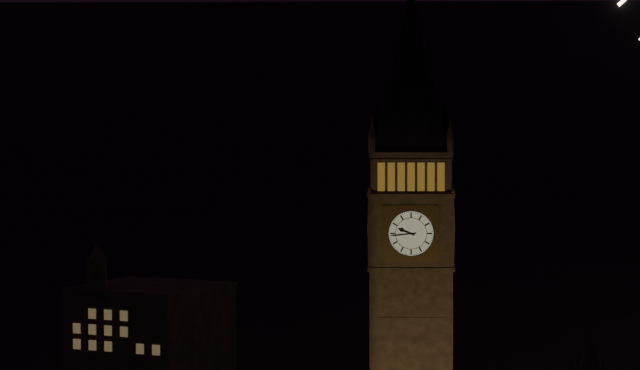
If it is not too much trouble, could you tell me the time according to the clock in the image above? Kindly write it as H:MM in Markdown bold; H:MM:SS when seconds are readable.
**9:44**
